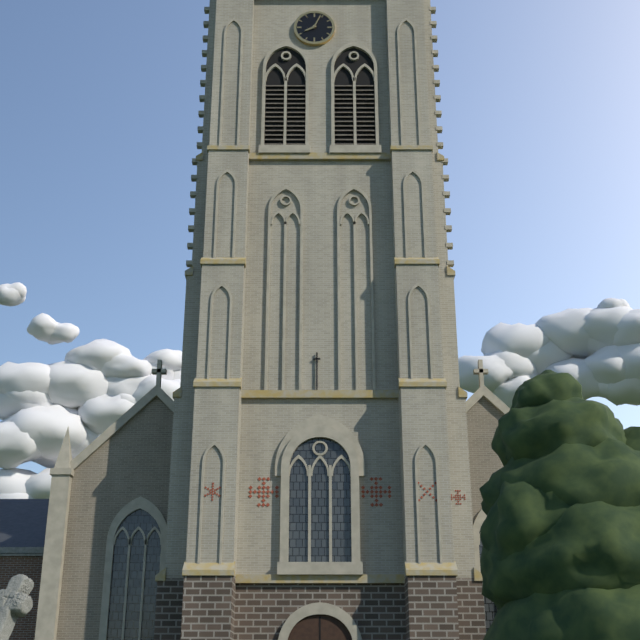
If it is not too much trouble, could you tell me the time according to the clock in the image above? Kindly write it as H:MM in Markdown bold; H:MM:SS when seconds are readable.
**8:04**
